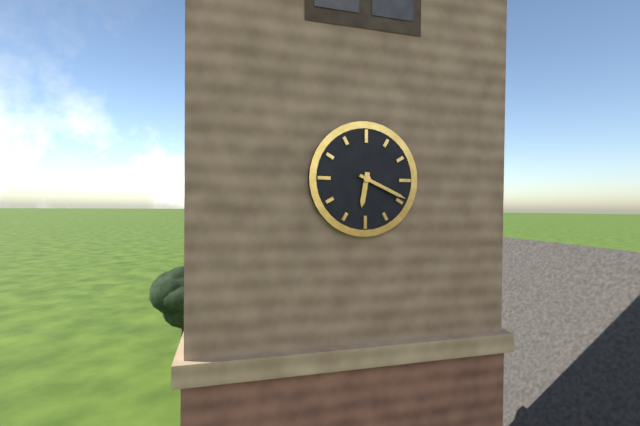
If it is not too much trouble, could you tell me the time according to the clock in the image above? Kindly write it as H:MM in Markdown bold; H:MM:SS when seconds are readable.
**6:19**
